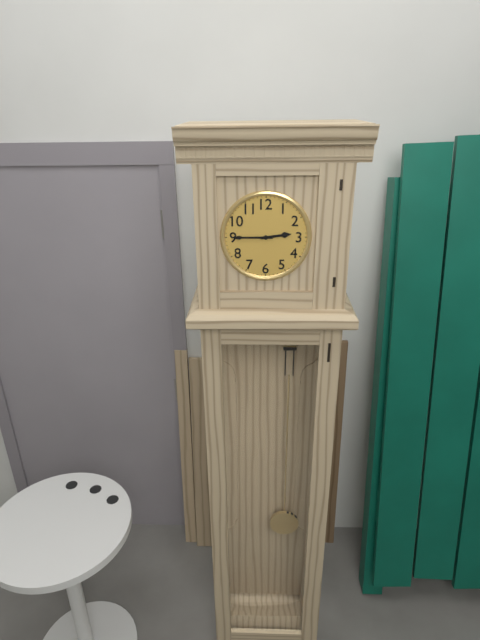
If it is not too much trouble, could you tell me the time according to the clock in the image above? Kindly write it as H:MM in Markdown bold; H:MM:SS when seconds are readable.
**2:45**
